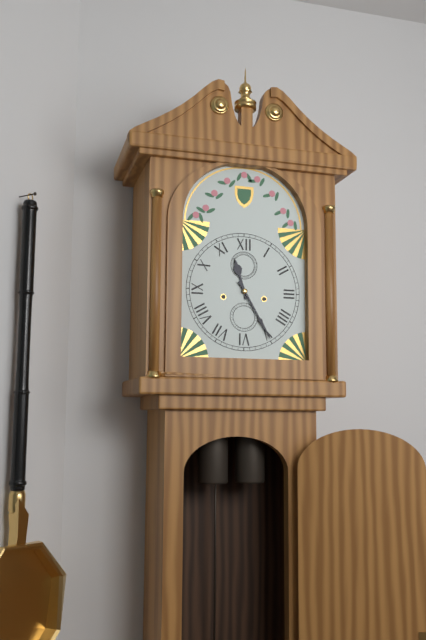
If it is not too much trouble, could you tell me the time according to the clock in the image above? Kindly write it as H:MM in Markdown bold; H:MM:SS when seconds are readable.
**11:25**
